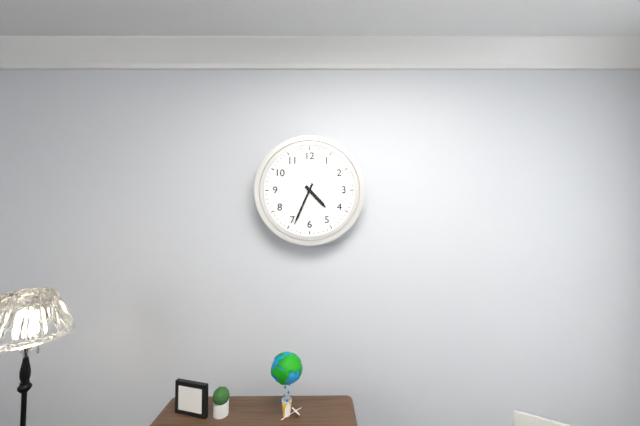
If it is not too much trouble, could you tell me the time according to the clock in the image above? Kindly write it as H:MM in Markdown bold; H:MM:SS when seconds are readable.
**4:34**
